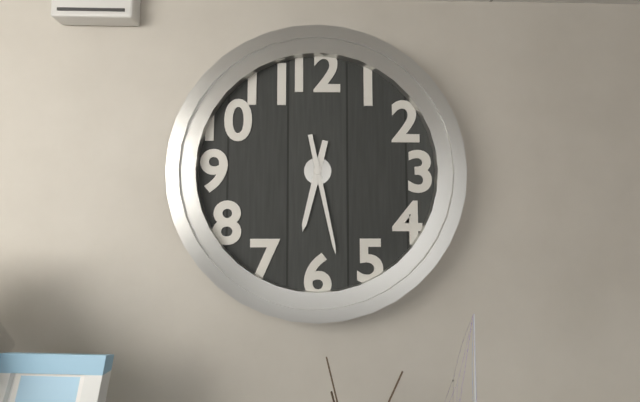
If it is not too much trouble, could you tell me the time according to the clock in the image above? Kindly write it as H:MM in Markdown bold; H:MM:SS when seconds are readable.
**6:28**
